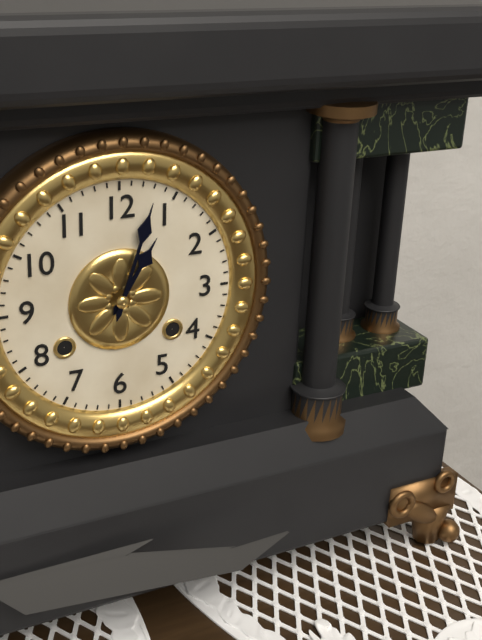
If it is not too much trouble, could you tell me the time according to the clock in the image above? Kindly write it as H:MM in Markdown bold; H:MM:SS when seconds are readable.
**1:03**
